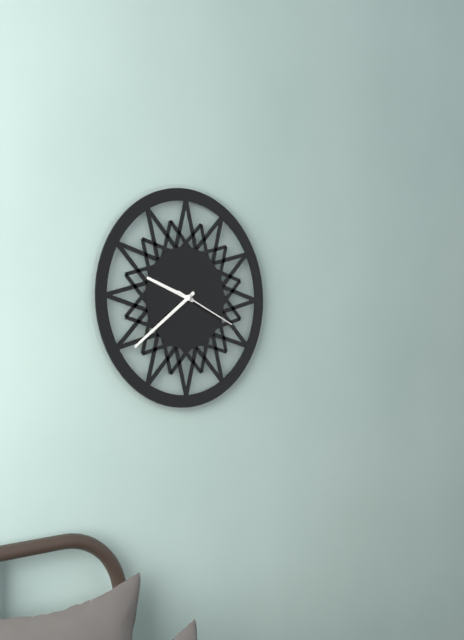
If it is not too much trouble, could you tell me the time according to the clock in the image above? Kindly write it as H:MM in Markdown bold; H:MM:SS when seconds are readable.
**9:39:19**
